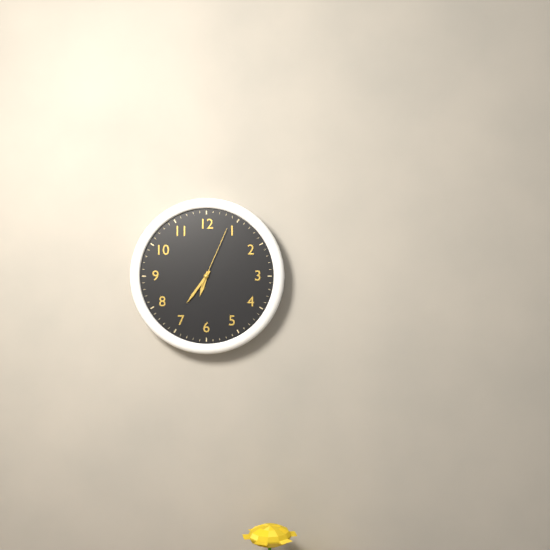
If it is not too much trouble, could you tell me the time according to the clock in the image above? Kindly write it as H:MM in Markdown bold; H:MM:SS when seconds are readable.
**6:36:04**
